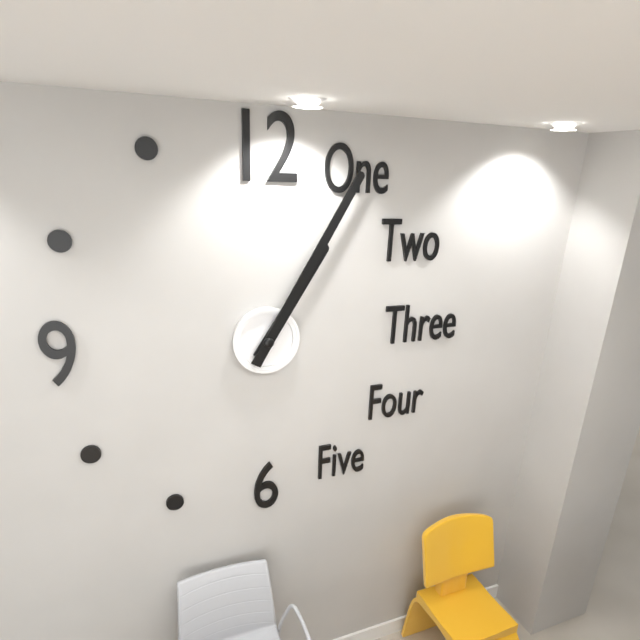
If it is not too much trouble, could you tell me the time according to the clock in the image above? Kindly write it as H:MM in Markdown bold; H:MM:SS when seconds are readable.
**1:05**
